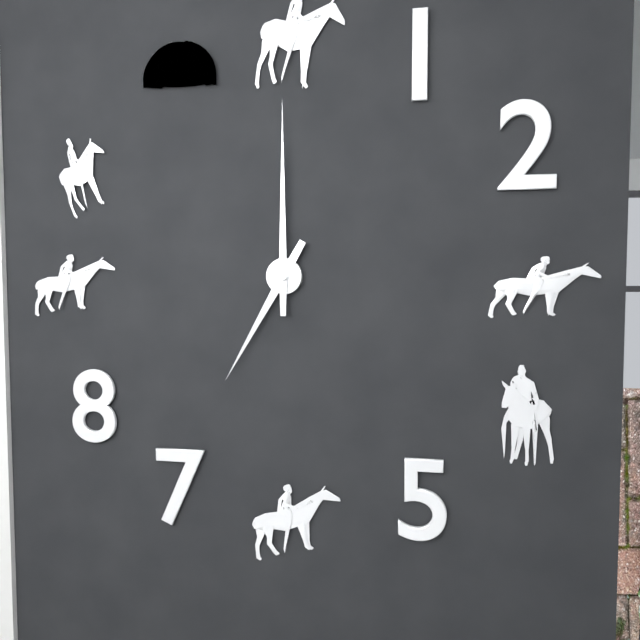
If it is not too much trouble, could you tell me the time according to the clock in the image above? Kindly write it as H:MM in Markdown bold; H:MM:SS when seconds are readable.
**7:00**
